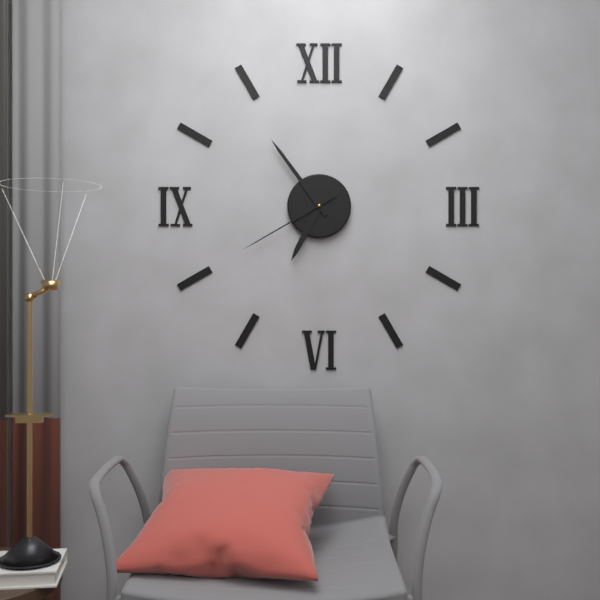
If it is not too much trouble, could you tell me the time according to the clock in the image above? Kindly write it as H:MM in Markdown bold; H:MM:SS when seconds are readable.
**6:54:40**
